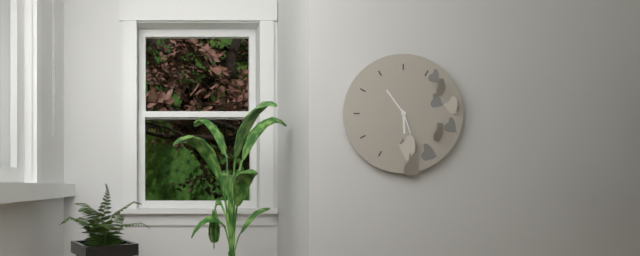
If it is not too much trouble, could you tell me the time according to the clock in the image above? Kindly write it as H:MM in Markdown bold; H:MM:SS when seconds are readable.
**5:54**
